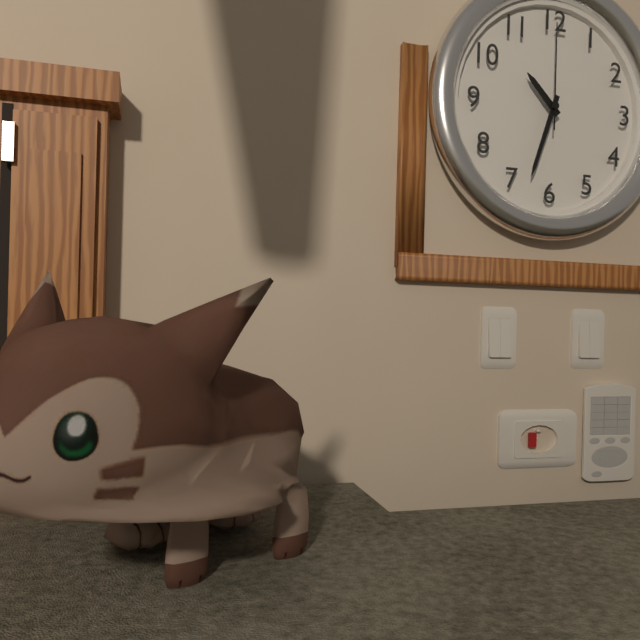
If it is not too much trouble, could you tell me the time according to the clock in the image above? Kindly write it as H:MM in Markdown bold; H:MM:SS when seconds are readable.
**10:33:00**
